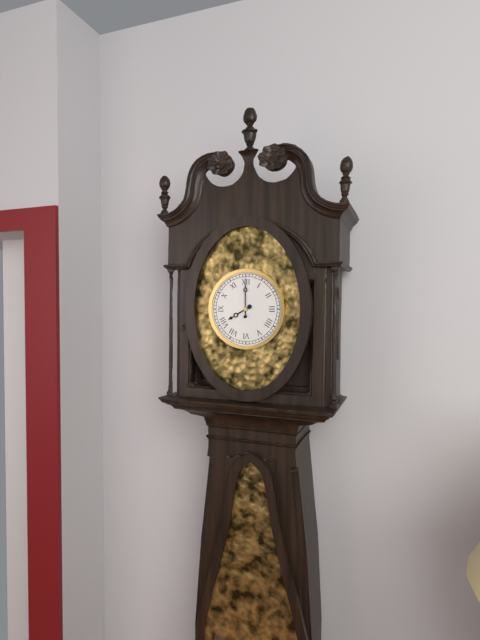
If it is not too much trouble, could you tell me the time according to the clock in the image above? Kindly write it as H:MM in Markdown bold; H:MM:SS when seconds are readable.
**8:00**
